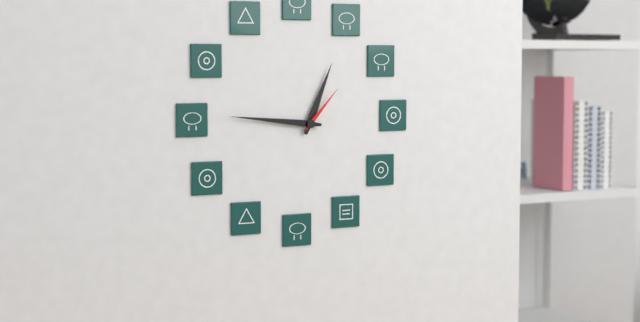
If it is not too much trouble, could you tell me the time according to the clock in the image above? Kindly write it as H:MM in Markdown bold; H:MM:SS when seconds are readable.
**12:46:07**
